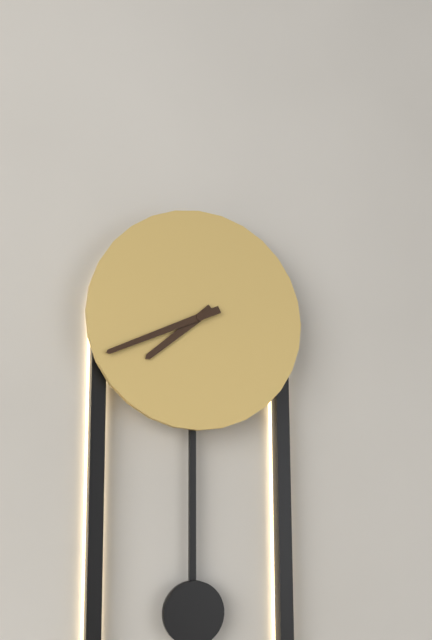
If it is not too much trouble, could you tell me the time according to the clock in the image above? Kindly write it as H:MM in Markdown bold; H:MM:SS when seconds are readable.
**7:41**
